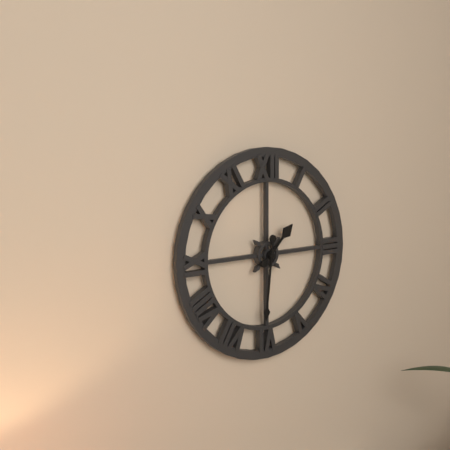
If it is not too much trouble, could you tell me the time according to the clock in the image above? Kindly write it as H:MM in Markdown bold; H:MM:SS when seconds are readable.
**1:31**
